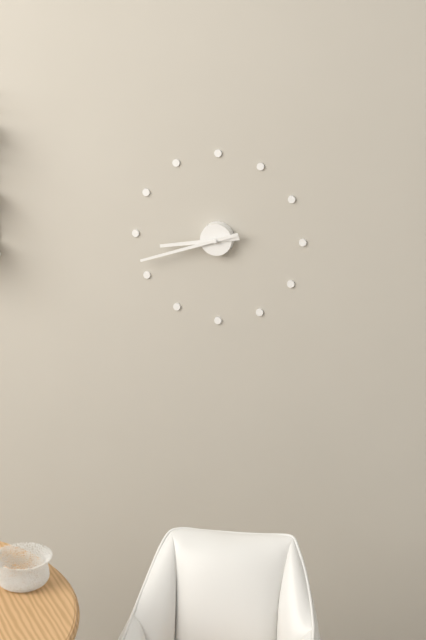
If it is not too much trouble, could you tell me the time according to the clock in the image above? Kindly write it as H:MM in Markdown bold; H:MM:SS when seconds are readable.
**8:42**
